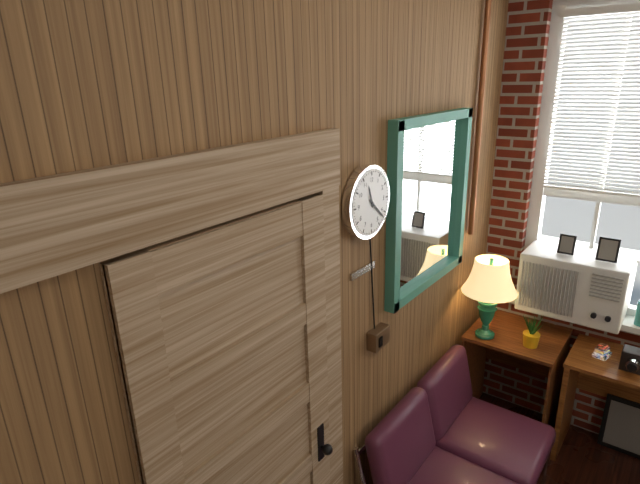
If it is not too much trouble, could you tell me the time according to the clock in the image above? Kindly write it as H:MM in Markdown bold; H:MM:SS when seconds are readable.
**11:22**
